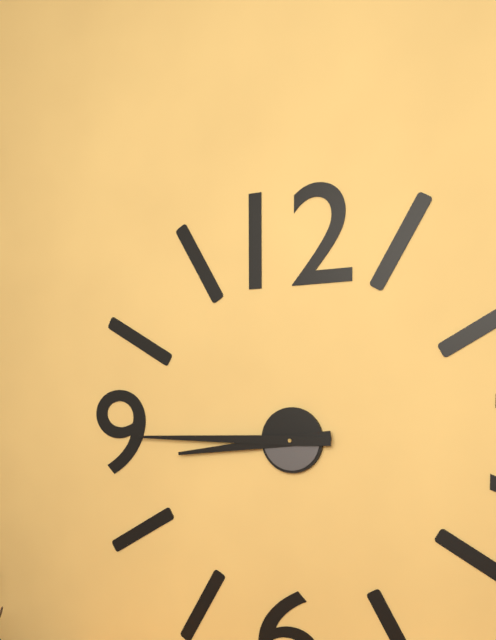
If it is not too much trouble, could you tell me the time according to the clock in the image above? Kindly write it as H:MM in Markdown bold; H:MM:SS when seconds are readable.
**8:45**
